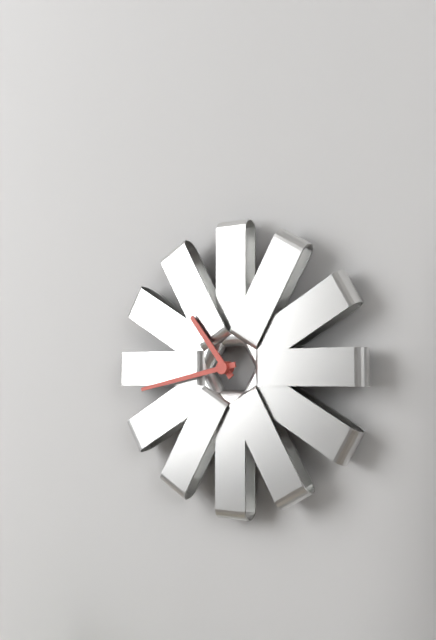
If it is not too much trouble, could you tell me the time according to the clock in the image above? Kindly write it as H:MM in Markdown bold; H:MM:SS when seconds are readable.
**10:43**
